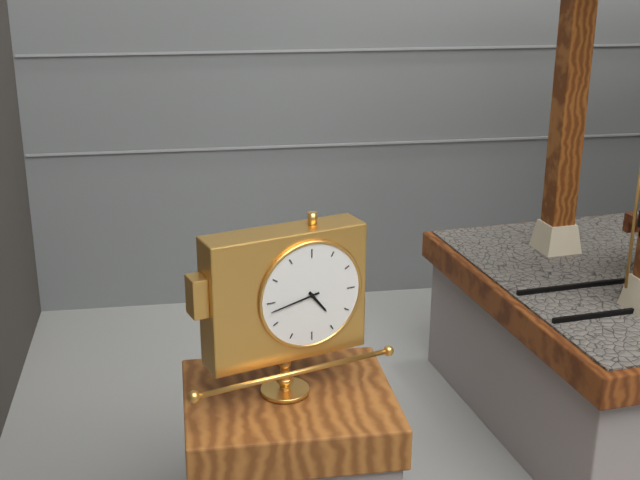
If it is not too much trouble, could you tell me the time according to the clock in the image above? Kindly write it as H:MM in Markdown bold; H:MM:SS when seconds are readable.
**4:43**
